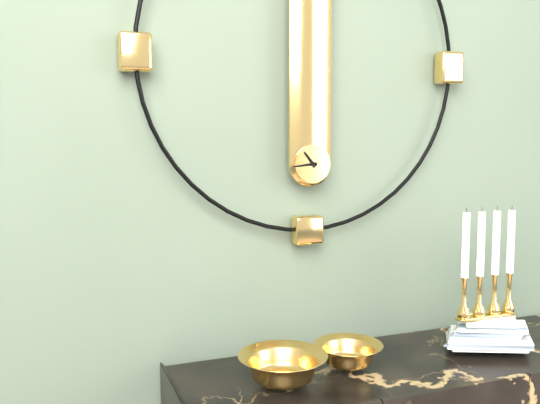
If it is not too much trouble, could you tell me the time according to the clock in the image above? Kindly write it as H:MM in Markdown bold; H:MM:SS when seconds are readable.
**10:44**
